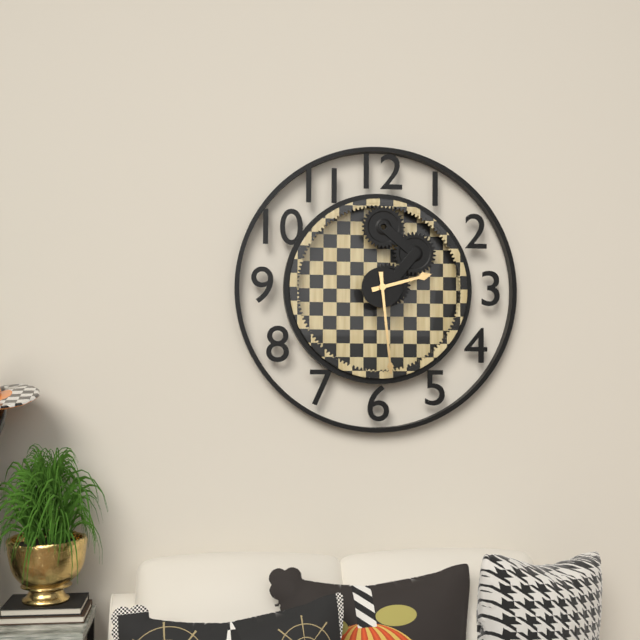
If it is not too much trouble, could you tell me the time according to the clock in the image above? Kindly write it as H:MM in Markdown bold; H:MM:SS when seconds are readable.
**2:29**
